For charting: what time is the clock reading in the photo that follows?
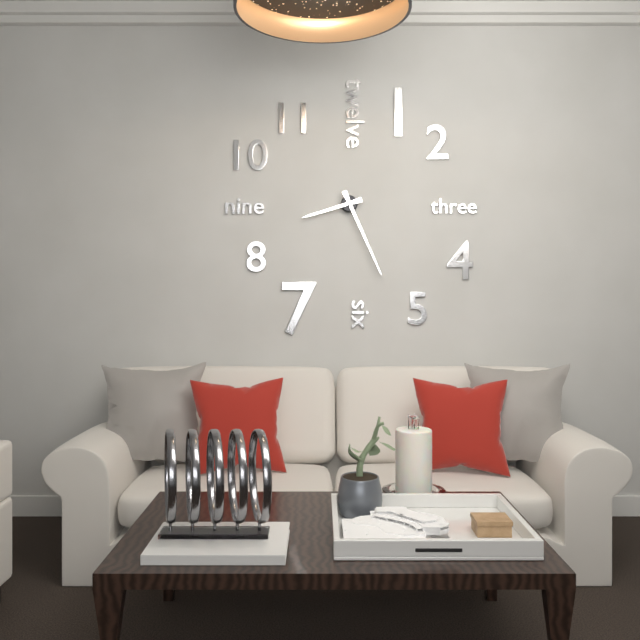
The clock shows 8:26
